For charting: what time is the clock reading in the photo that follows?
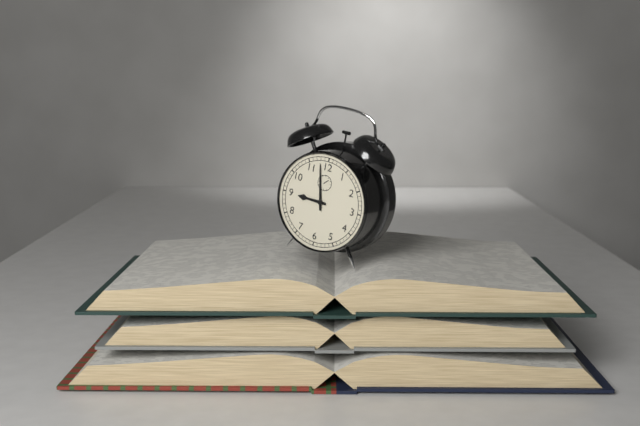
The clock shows 8:58
